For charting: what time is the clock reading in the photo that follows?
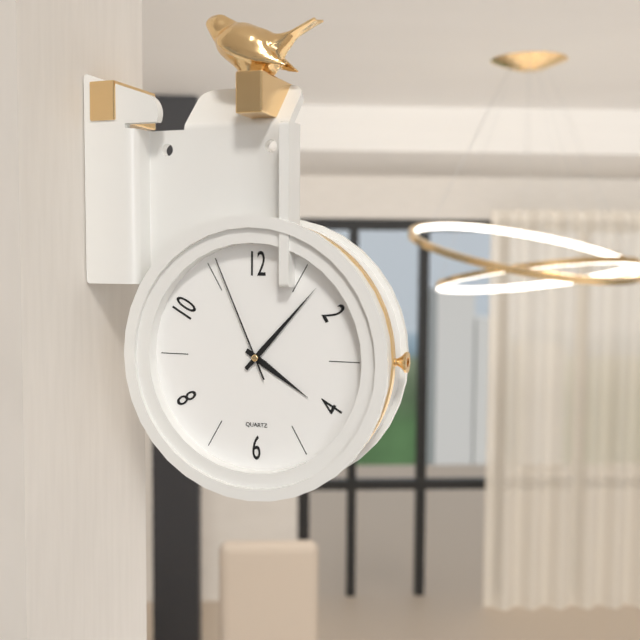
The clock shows 4:07:56
